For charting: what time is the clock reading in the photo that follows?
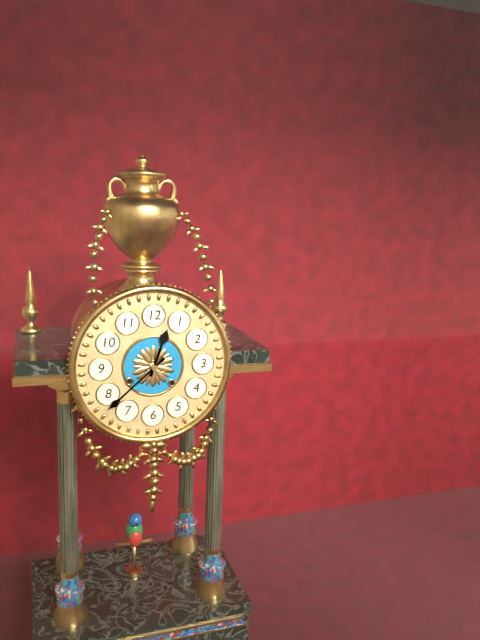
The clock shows 12:38
